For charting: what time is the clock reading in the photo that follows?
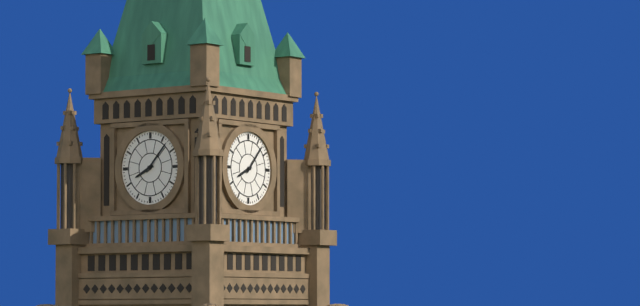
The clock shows 8:07
